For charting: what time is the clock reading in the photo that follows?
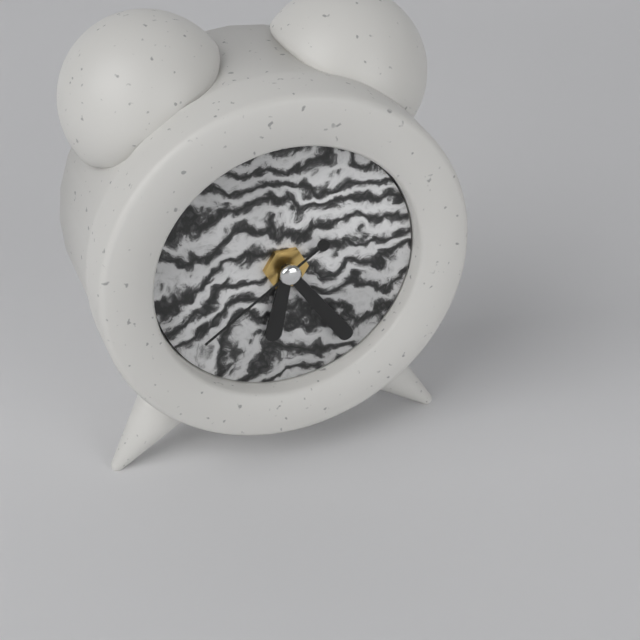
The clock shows 6:24:39
